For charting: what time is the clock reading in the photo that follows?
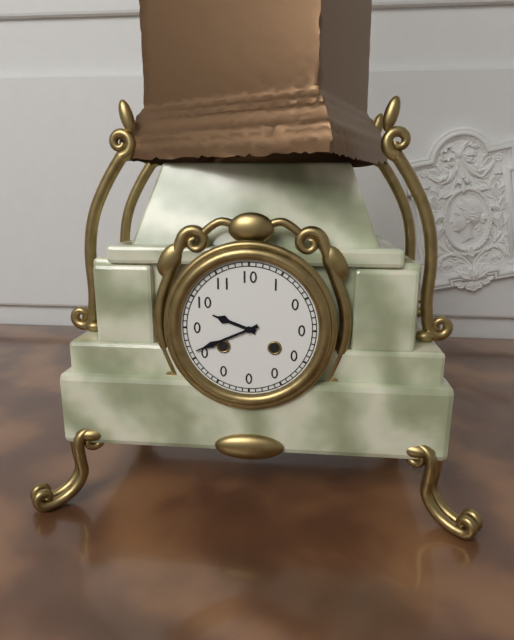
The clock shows 9:41
